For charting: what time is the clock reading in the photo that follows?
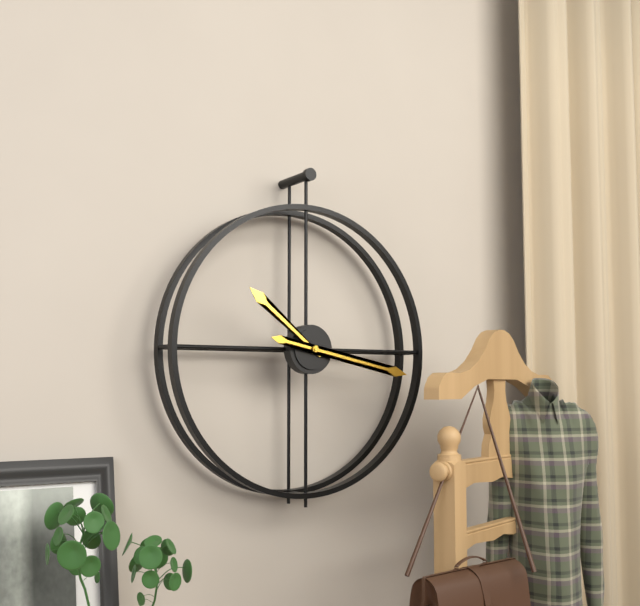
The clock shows 10:17
